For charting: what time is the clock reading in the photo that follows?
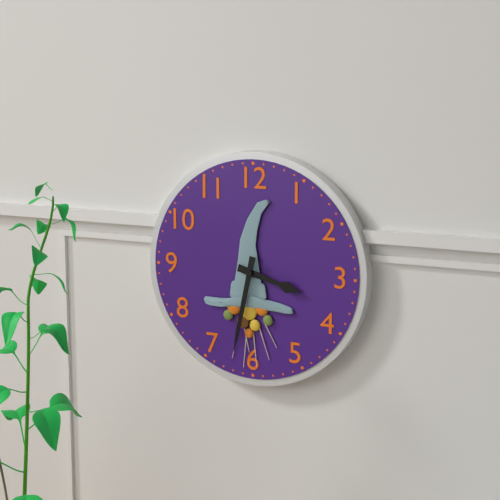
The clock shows 3:32
